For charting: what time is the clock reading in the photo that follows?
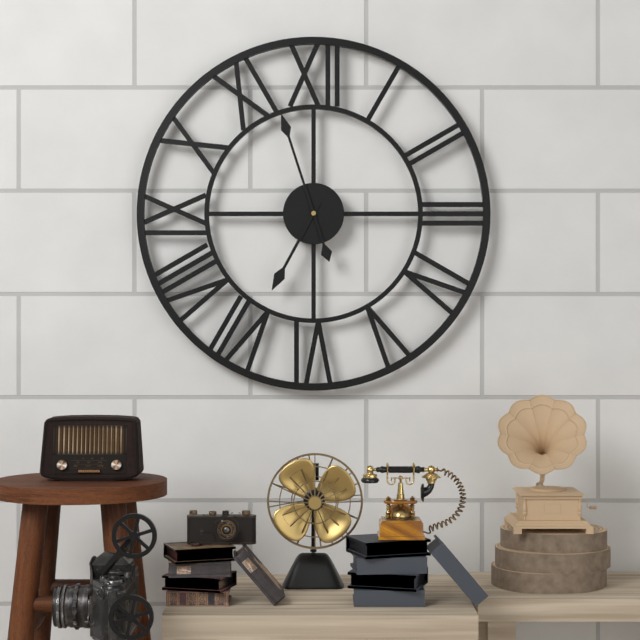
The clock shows 6:57
